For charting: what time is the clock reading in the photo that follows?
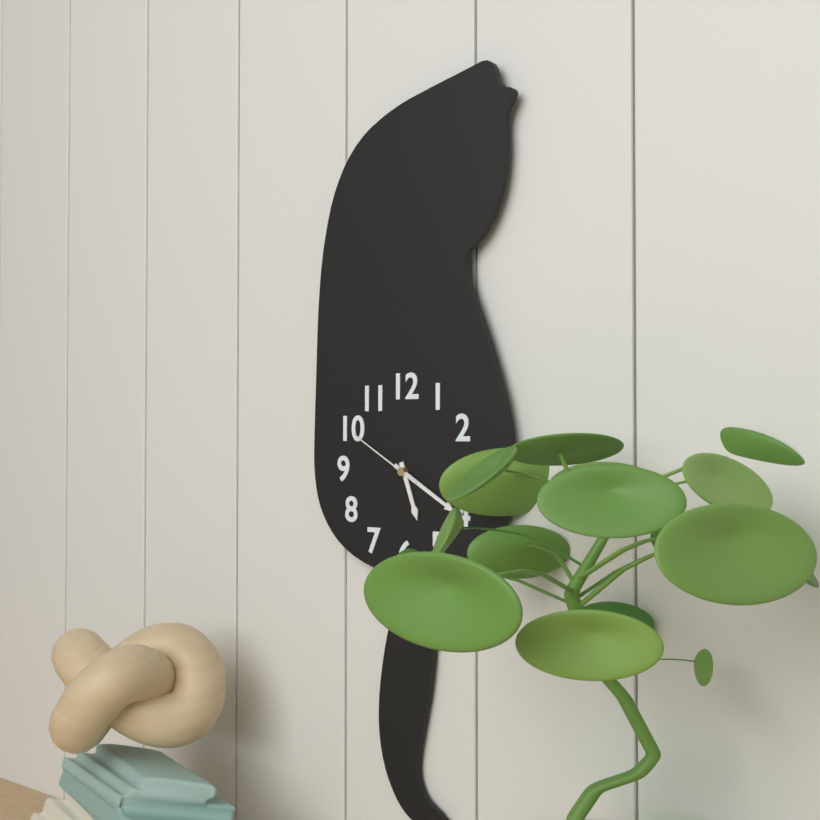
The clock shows 5:20:50
